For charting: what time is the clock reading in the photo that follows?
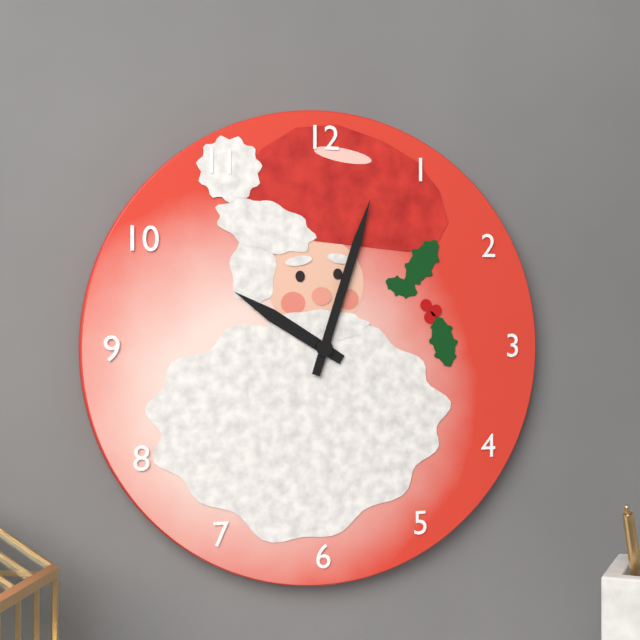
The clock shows 10:03
